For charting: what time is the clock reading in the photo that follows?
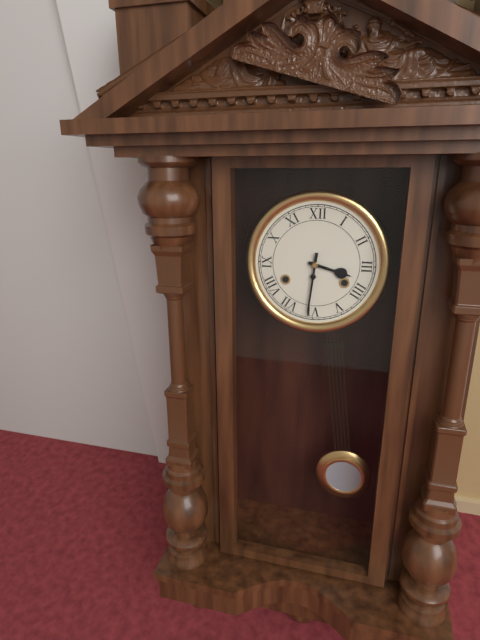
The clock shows 3:31
